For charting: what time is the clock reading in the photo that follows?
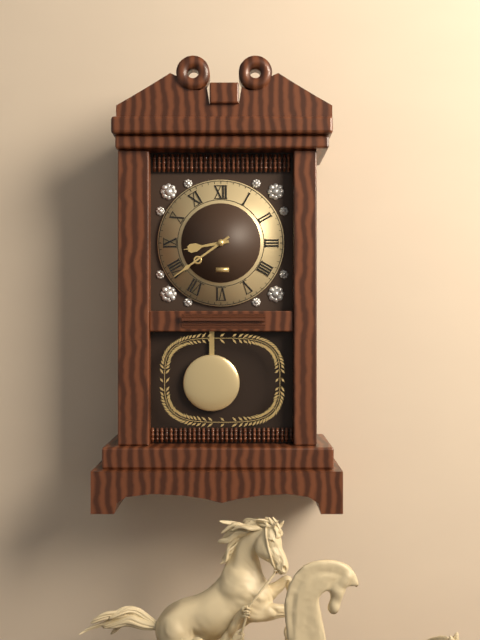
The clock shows 8:39
